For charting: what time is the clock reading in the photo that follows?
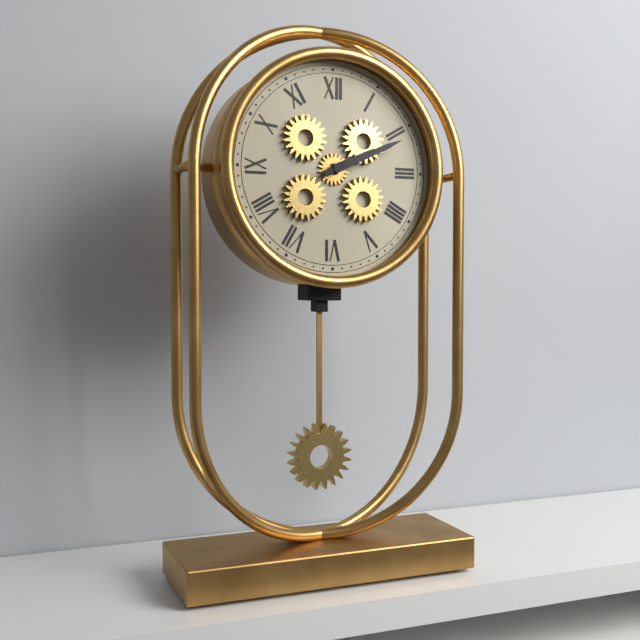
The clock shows 2:11
